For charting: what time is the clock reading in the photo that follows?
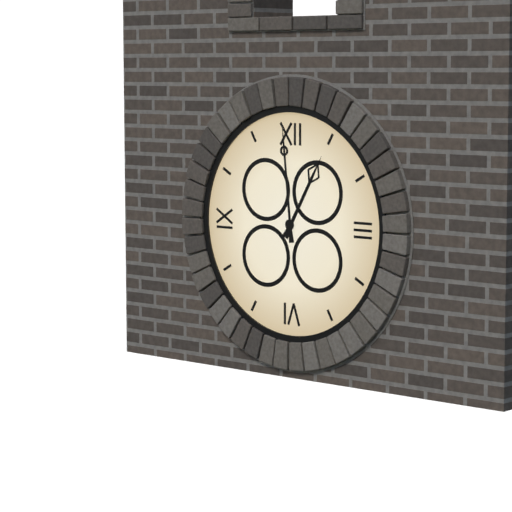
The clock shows 12:59
